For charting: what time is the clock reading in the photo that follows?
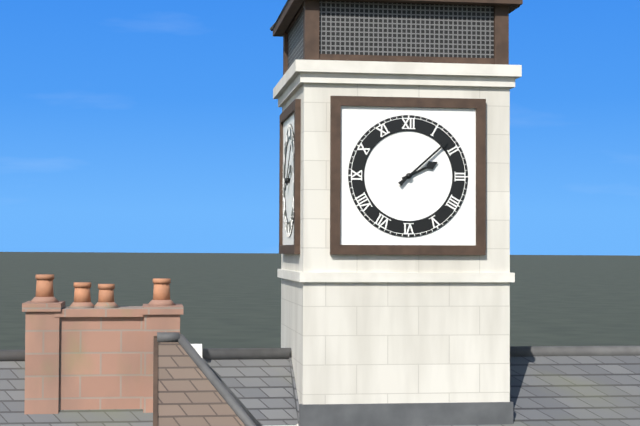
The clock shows 2:08
